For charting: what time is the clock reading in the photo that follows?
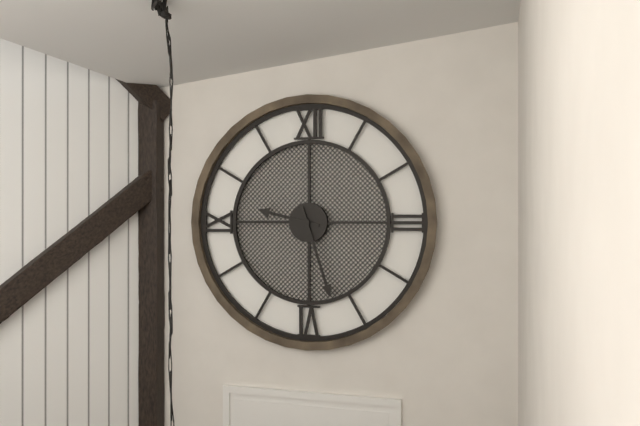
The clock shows 9:27
